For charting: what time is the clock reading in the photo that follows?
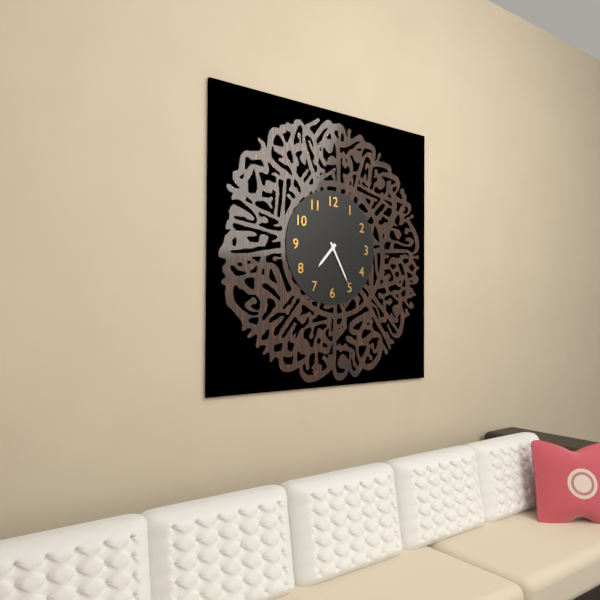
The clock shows 7:25
